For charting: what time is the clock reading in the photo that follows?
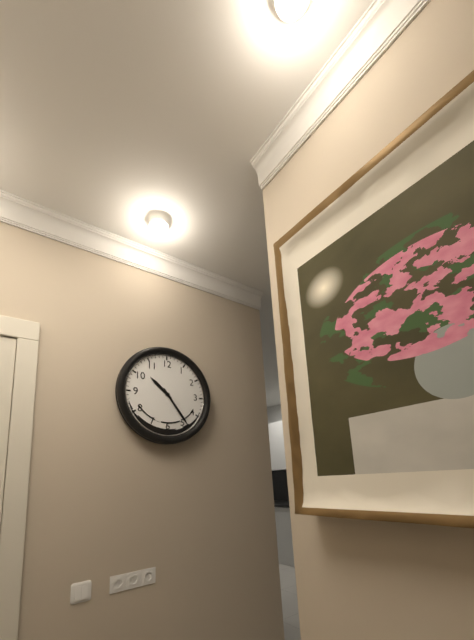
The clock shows 10:24
